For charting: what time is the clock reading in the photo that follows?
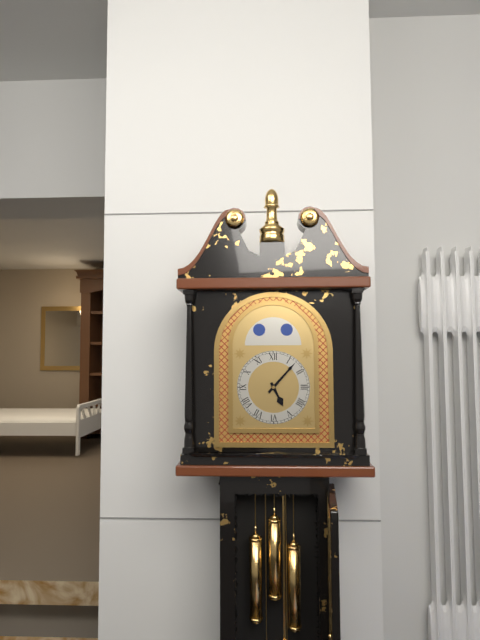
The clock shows 5:07
